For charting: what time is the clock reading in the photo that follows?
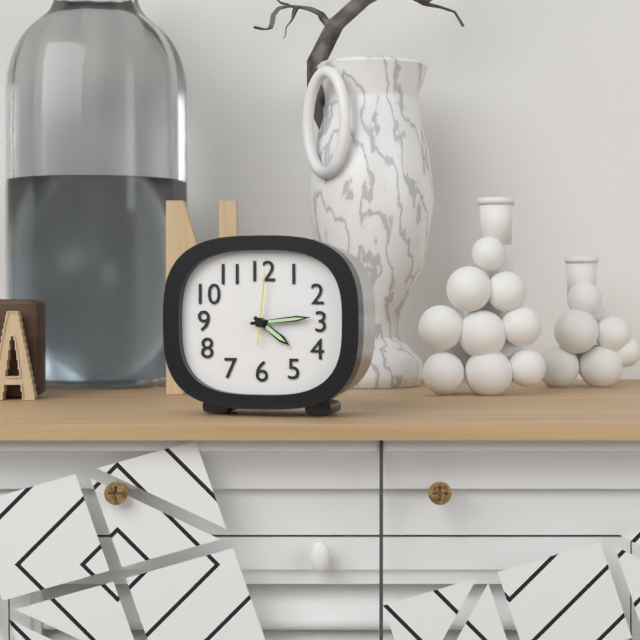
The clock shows 4:14:01
